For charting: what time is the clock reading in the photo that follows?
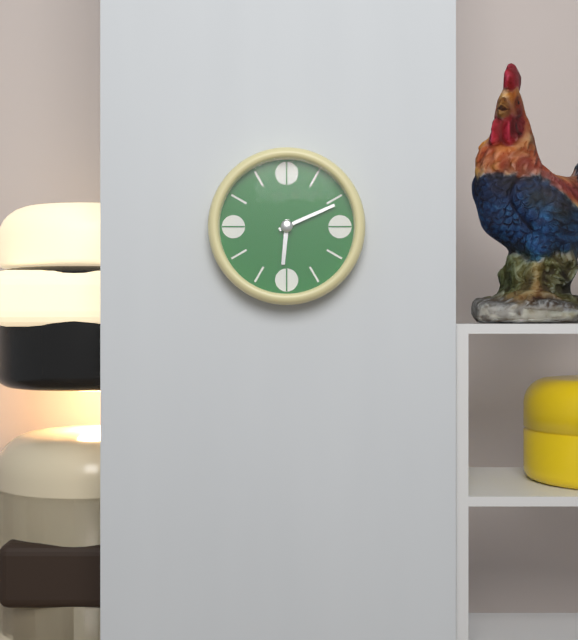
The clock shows 6:11
